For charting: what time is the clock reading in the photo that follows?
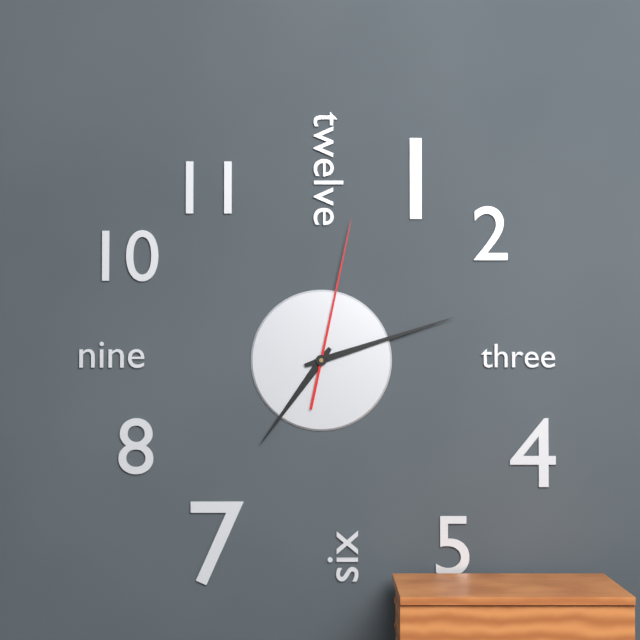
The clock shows 7:12:02
